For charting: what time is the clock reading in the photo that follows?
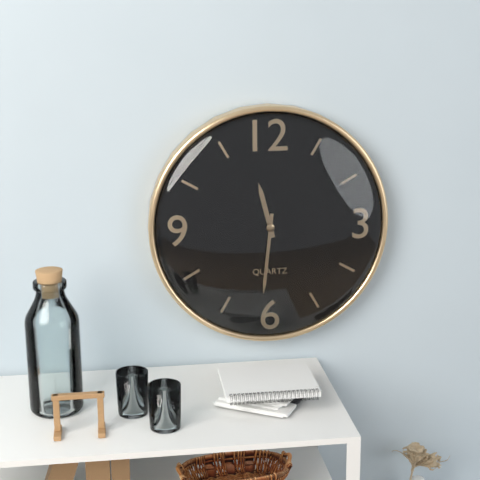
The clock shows 11:31
